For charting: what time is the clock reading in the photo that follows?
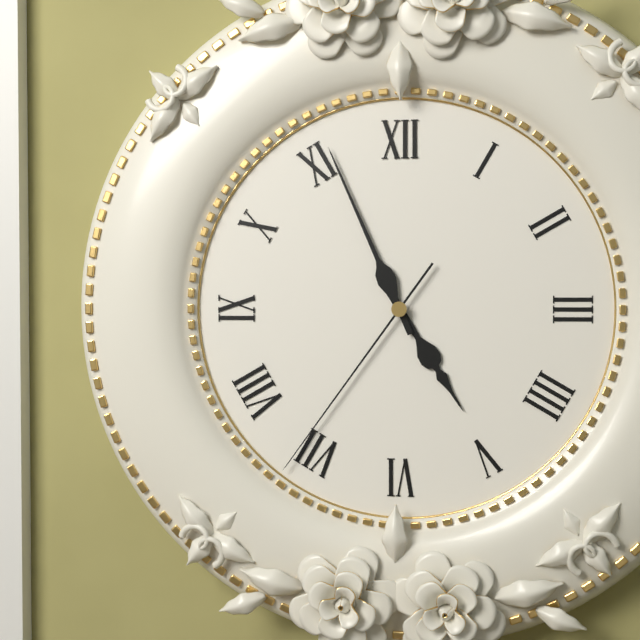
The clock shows 4:56:36
